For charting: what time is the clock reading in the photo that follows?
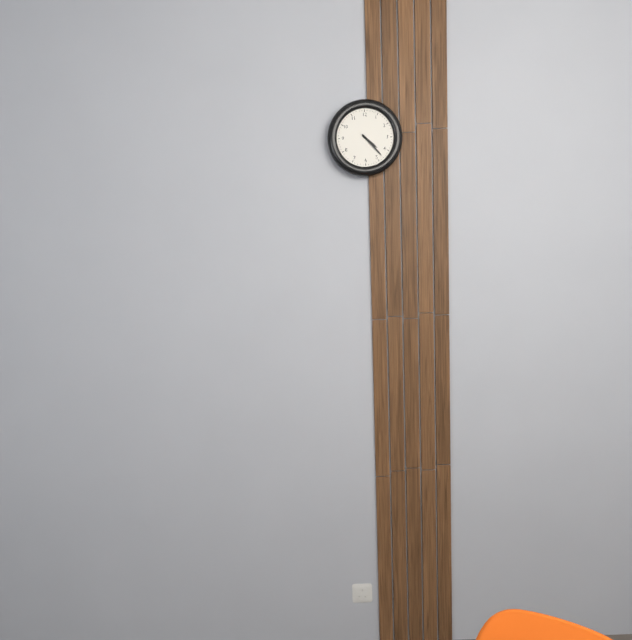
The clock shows 4:23
